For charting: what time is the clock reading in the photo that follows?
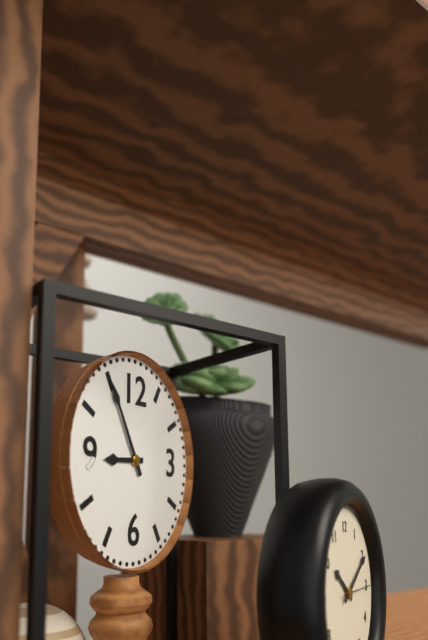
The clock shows 8:55
